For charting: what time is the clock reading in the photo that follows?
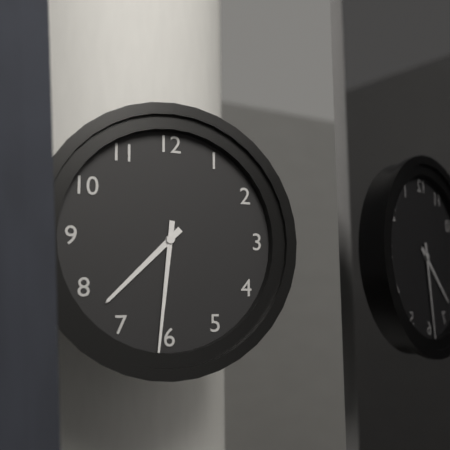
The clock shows 7:31
